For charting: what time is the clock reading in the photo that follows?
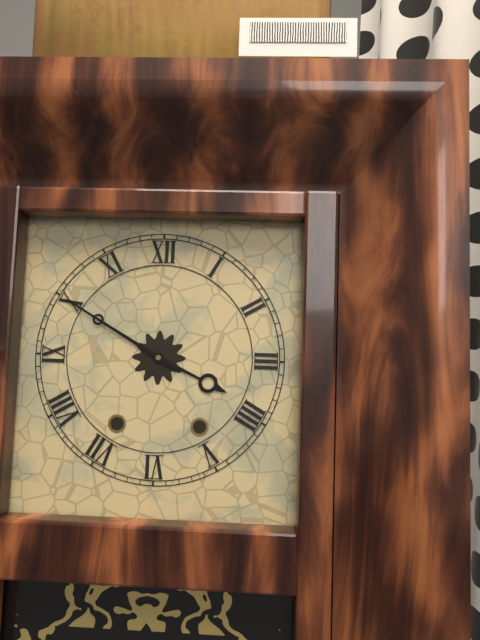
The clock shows 3:50
